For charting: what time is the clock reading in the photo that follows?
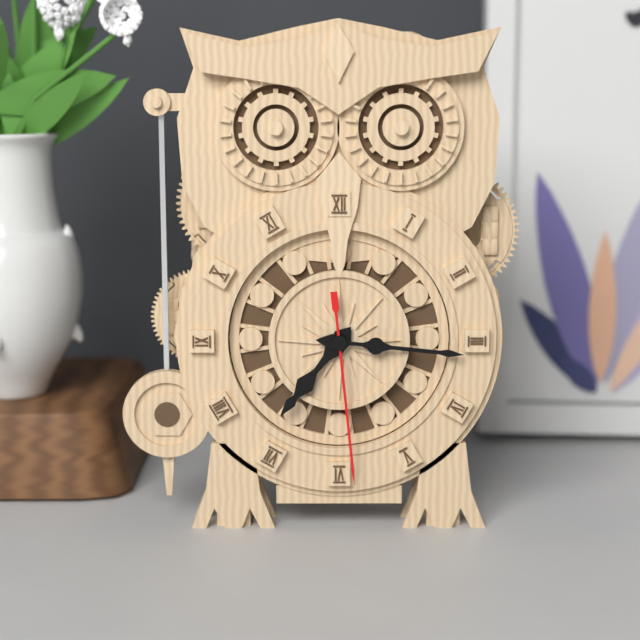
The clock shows 7:16:29
